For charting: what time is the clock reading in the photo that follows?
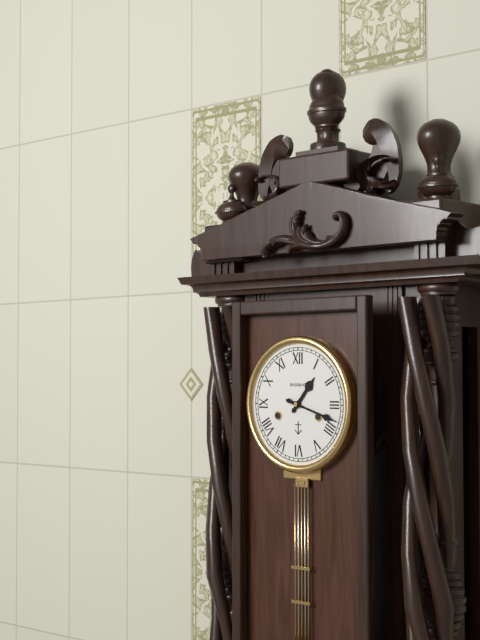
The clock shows 1:18
